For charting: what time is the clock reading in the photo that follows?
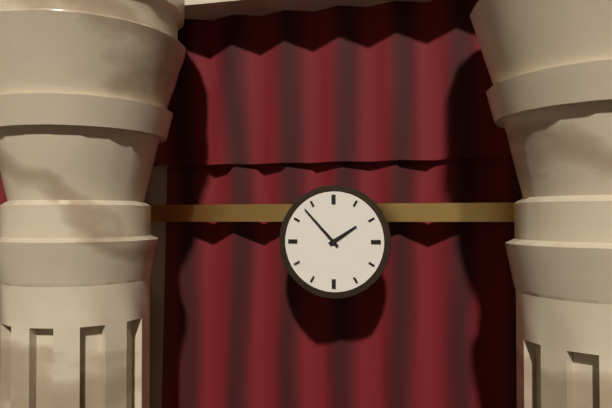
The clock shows 1:53
